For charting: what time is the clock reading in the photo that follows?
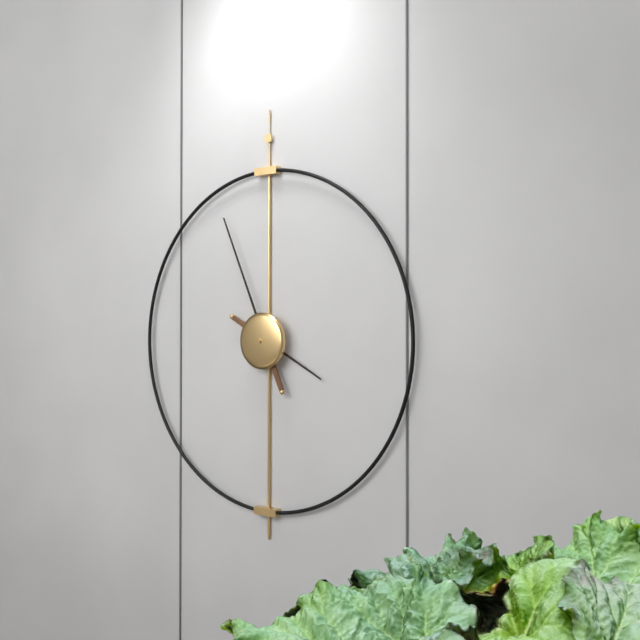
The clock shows 3:56
